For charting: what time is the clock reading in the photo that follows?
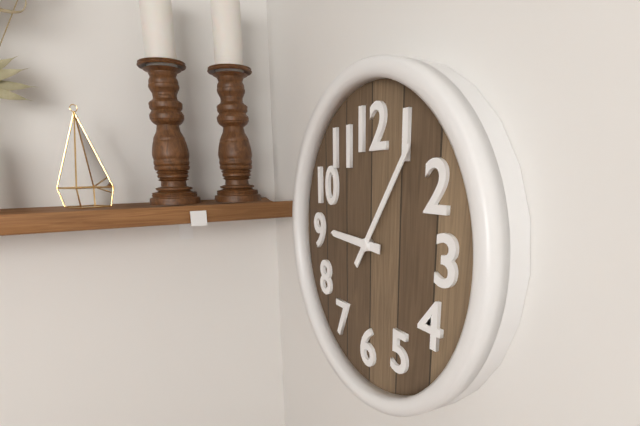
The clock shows 9:06
